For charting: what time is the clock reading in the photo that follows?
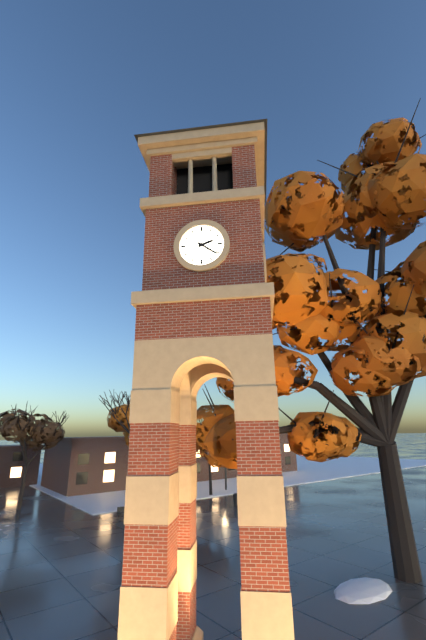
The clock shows 2:21
